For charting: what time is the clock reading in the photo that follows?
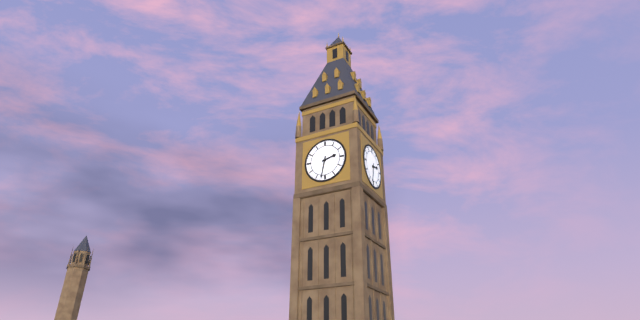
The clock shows 2:32
